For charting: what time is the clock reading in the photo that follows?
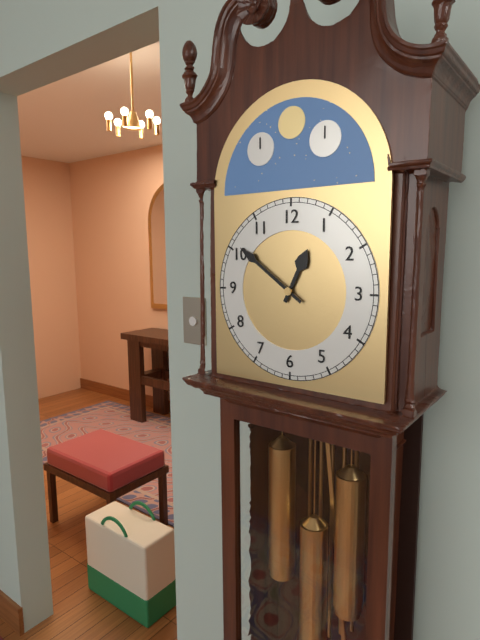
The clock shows 12:51
